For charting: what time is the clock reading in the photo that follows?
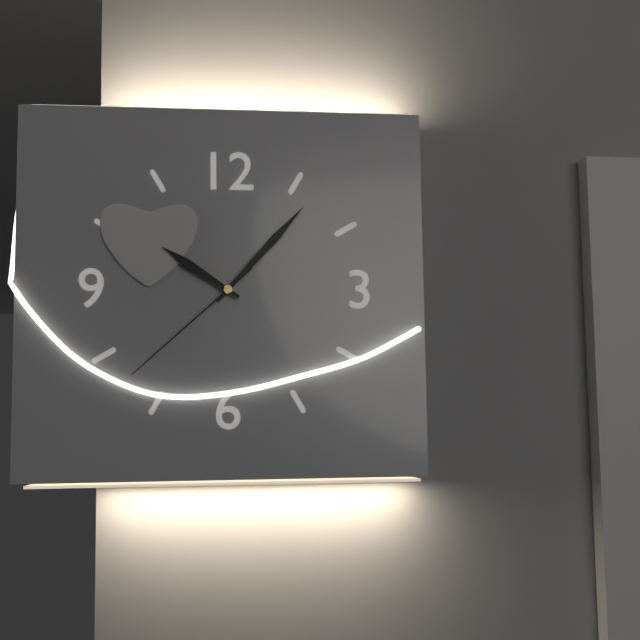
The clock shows 10:07:38
